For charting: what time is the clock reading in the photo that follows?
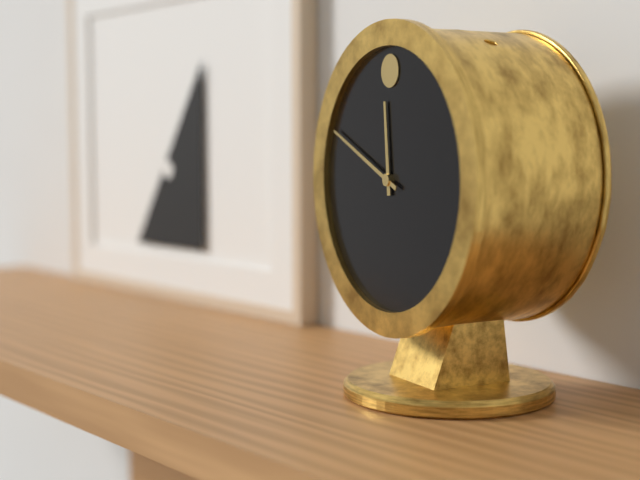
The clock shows 11:49
